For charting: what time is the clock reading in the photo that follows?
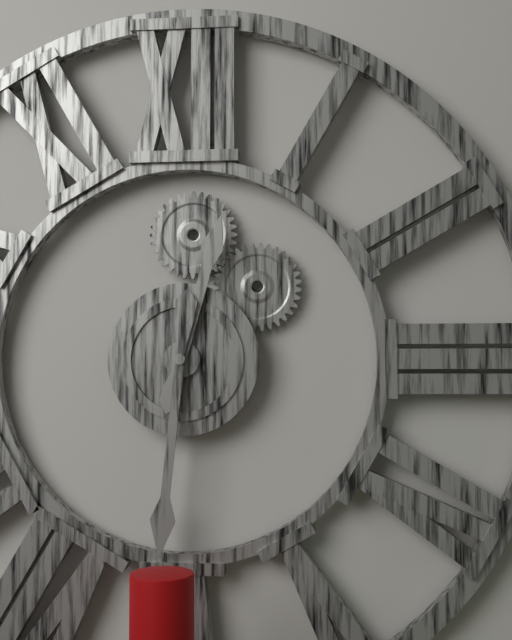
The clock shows 12:31
